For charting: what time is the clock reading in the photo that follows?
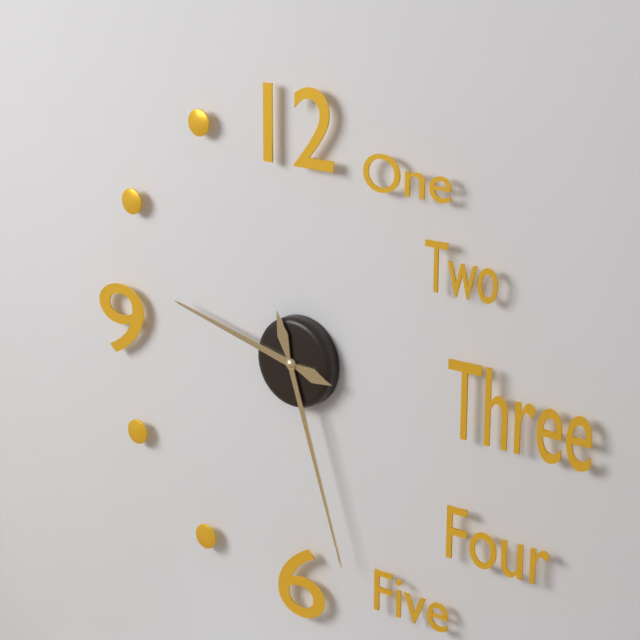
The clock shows 9:27
